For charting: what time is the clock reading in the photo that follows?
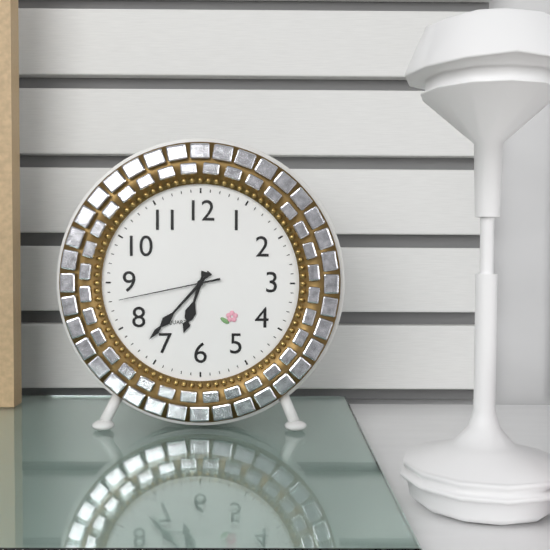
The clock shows 6:37:43
